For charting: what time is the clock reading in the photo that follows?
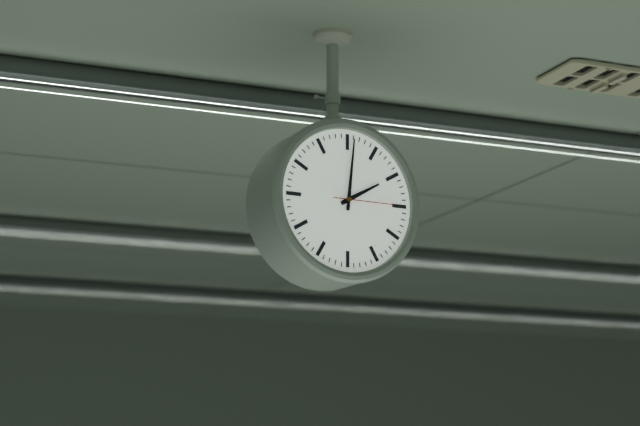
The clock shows 2:01:15
